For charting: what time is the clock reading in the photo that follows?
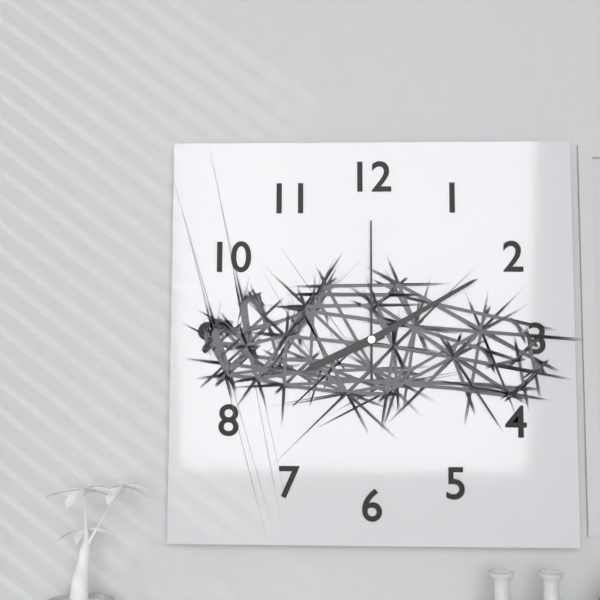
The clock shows 8:10:00
